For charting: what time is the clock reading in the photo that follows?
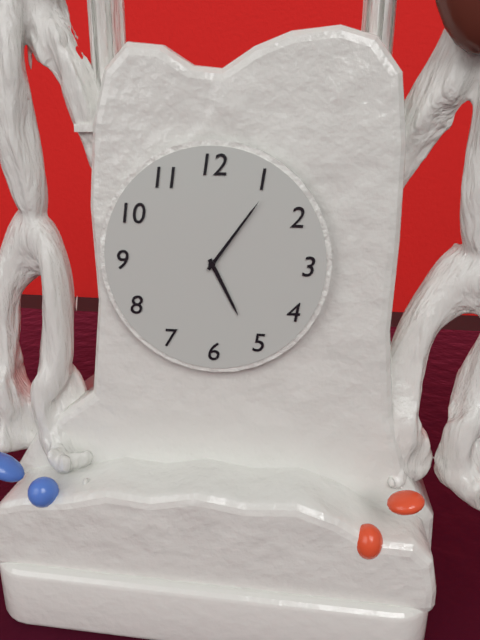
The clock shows 5:06
